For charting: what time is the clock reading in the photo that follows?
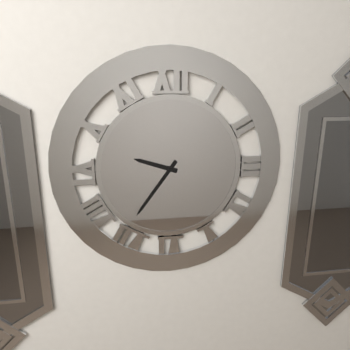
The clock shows 9:36
